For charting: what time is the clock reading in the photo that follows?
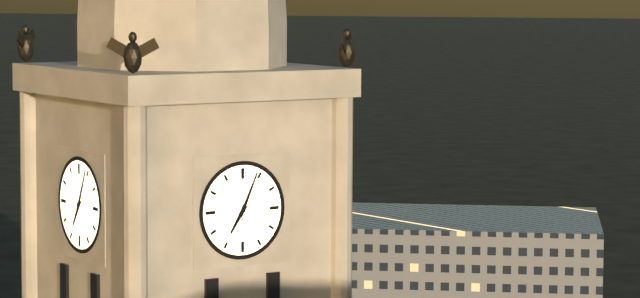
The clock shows 7:04
